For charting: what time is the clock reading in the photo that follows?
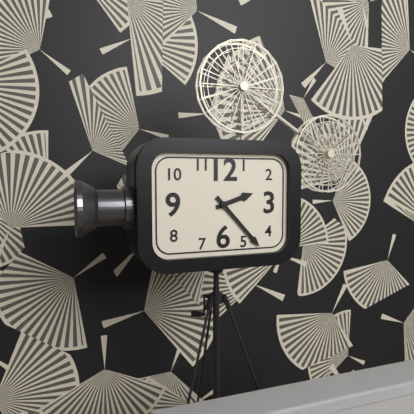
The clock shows 2:23
